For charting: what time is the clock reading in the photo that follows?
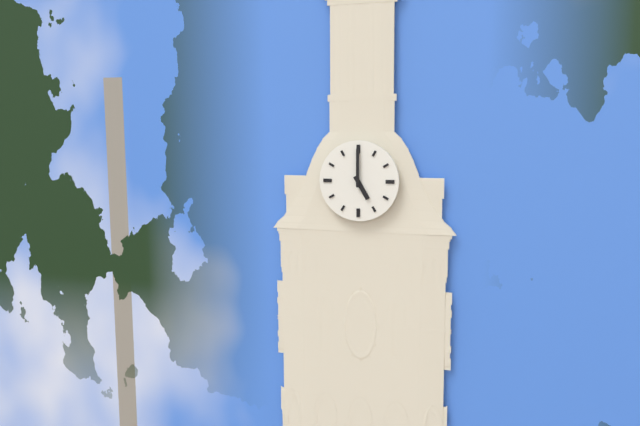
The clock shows 5:00
